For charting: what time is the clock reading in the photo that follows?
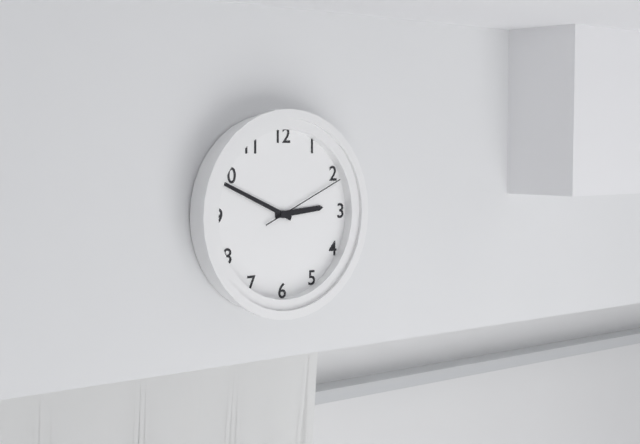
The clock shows 2:49:11
